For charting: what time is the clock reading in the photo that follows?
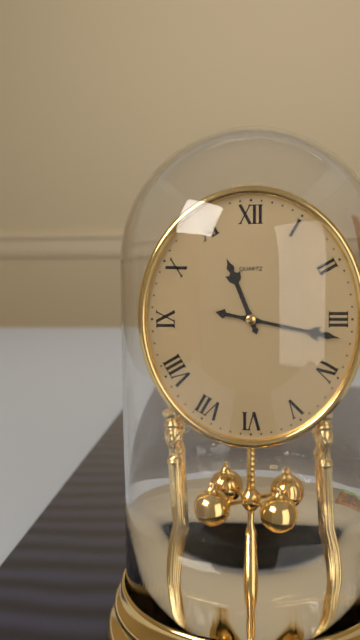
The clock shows 11:17
